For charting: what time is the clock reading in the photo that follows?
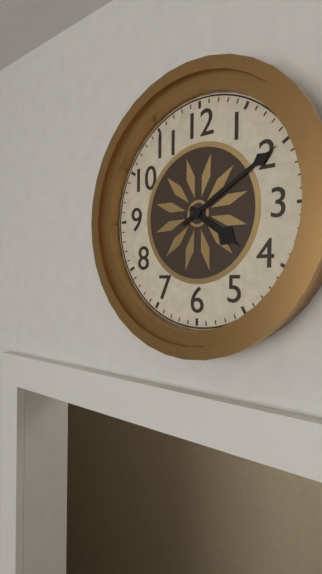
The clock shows 4:10
